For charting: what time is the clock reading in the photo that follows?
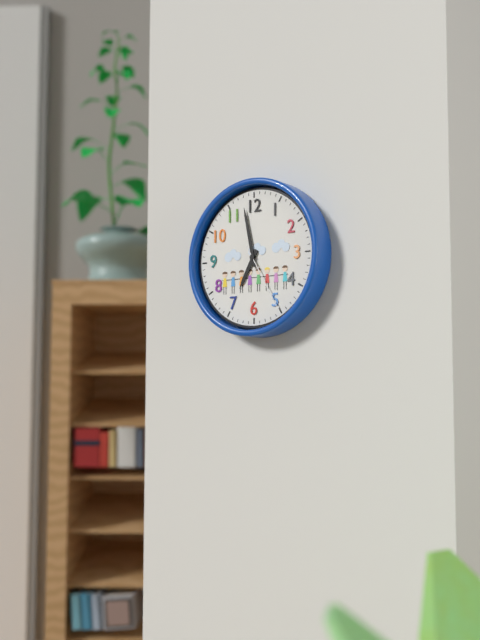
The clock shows 6:58:25
